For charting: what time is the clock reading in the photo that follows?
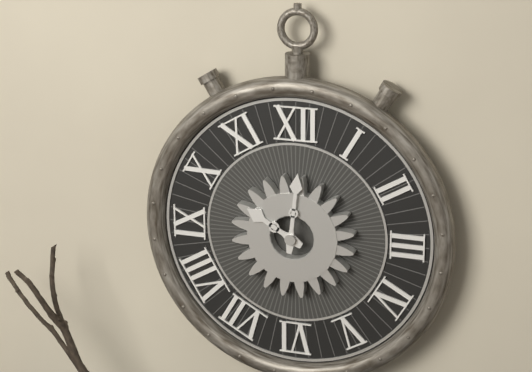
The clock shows 10:01
